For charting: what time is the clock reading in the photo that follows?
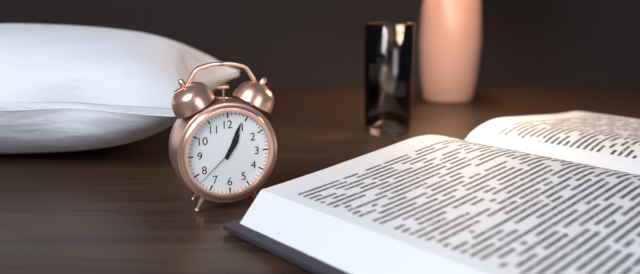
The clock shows 1:04
